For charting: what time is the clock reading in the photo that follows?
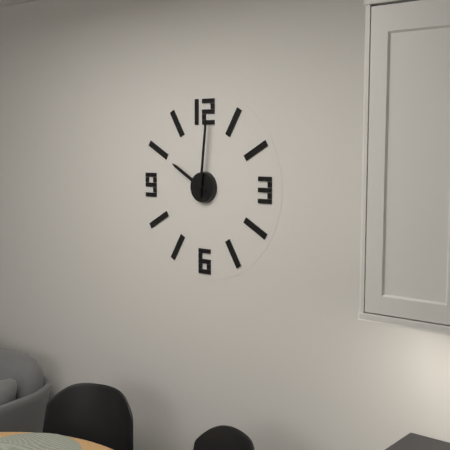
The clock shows 10:01
